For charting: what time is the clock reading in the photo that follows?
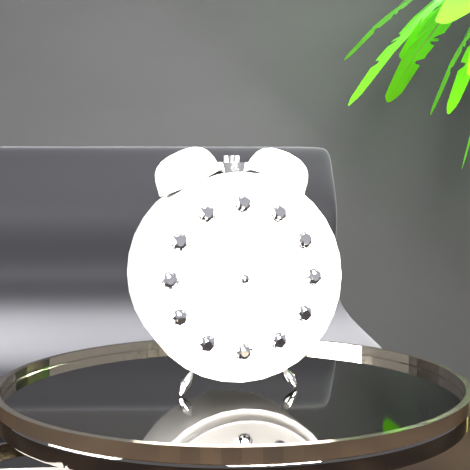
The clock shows 9:15:18
